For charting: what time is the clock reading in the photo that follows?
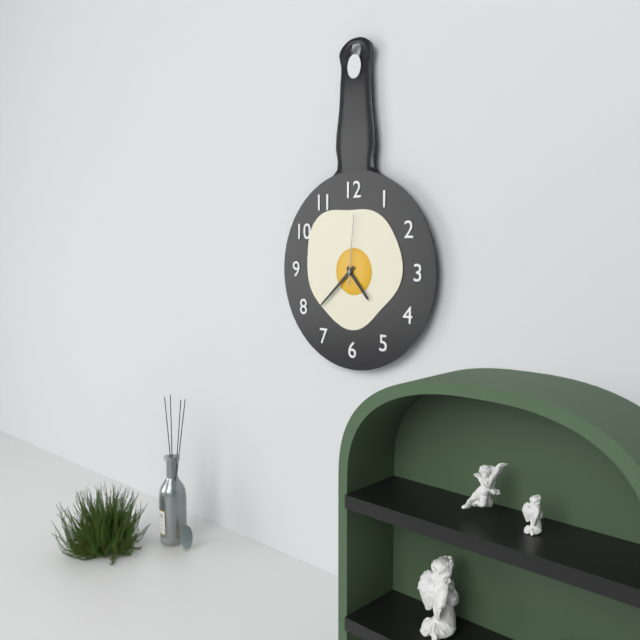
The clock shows 4:38:01
